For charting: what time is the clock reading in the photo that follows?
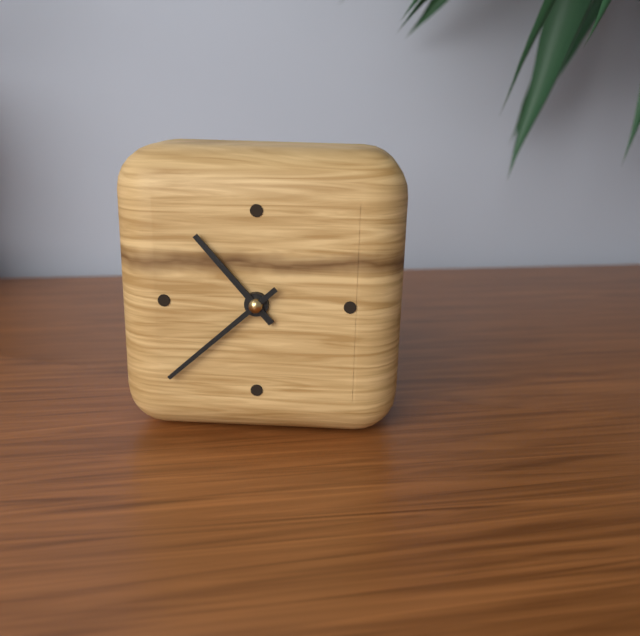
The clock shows 10:38
